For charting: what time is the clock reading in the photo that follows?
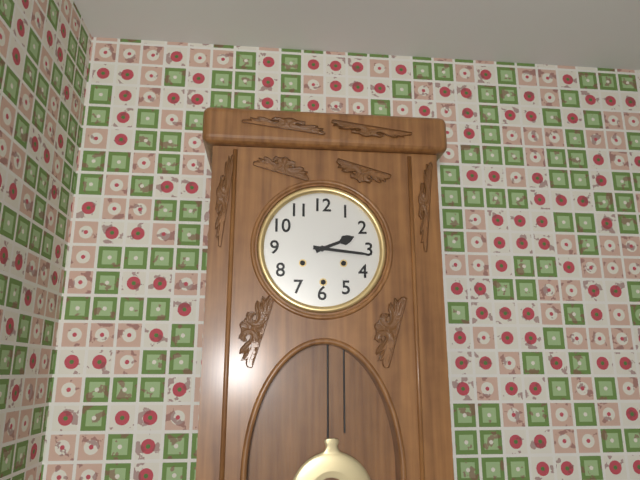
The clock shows 2:16
